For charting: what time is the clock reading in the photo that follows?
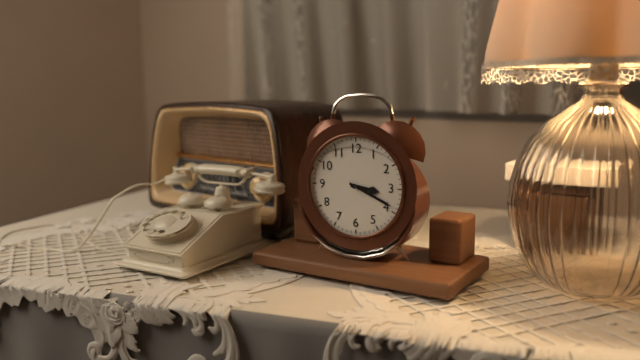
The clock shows 3:19
